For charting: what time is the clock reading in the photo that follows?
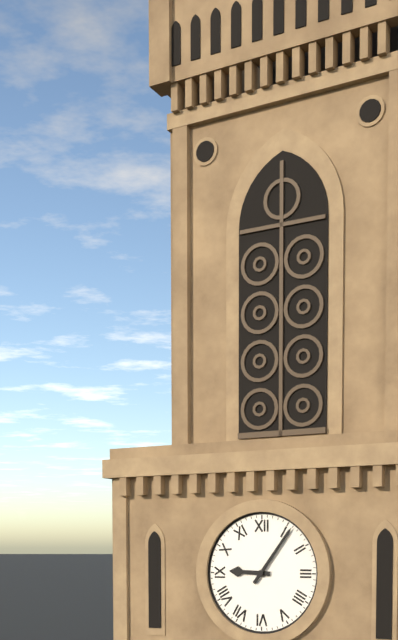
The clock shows 9:06
